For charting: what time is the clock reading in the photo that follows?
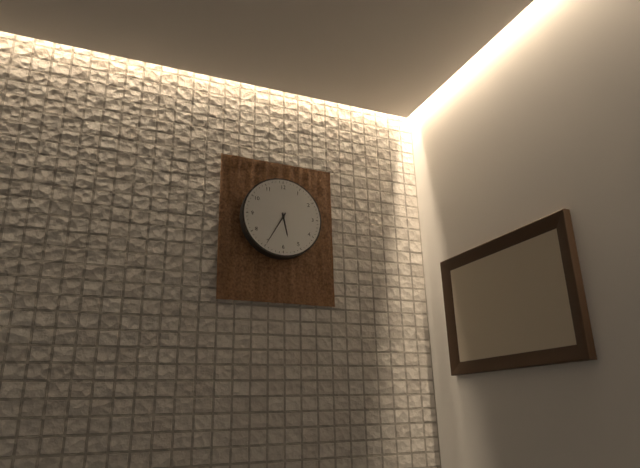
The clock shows 5:35
